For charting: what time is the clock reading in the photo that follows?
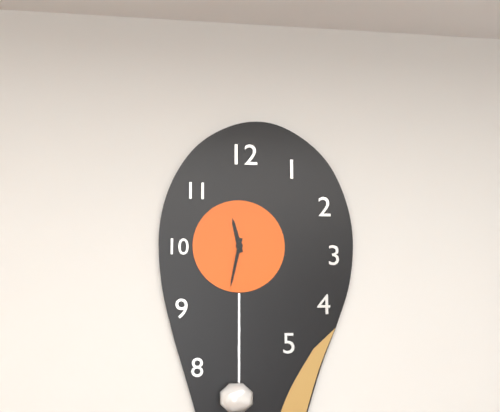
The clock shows 11:32
